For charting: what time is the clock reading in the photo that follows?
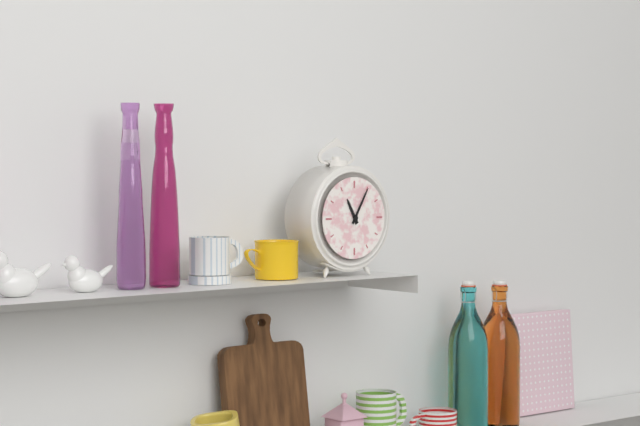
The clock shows 11:05
